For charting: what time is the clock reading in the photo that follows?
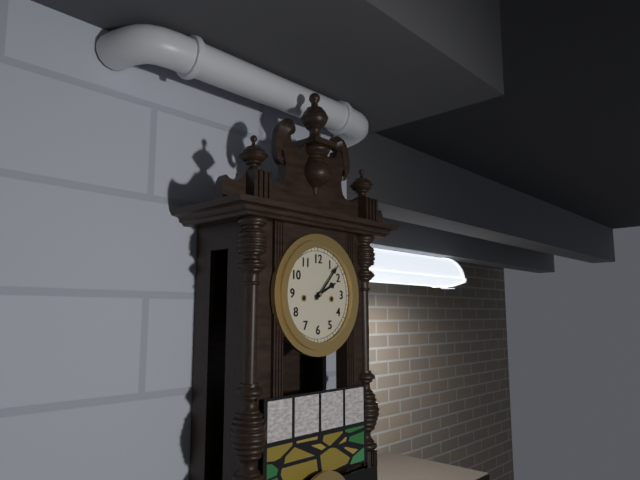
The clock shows 2:07
